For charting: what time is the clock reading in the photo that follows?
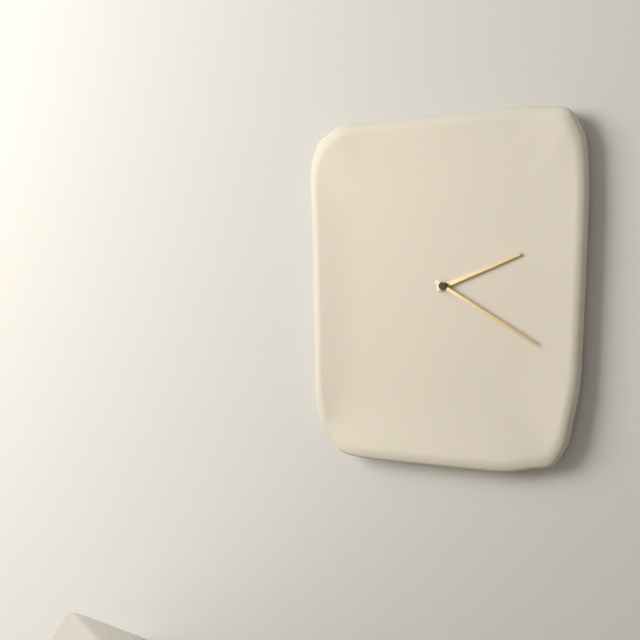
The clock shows 2:20
